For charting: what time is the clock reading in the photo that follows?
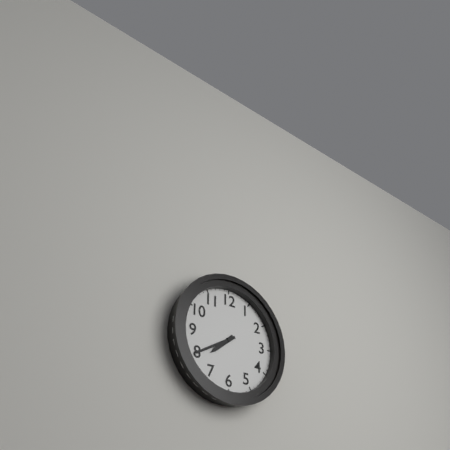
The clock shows 7:40
